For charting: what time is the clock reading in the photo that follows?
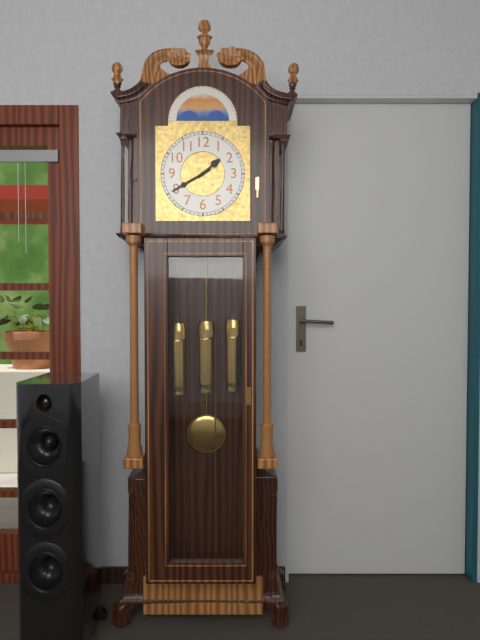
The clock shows 1:40
